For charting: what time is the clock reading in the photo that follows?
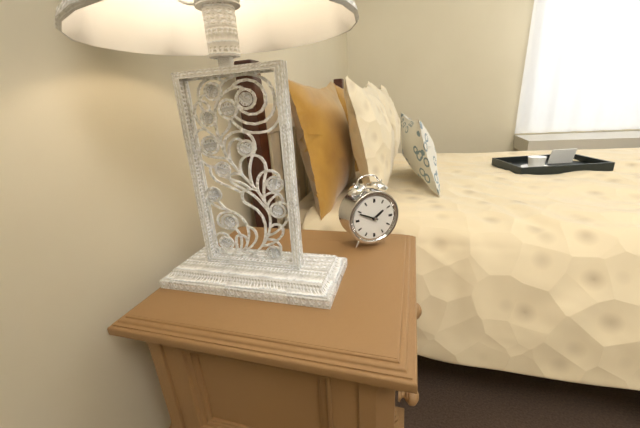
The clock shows 1:49
